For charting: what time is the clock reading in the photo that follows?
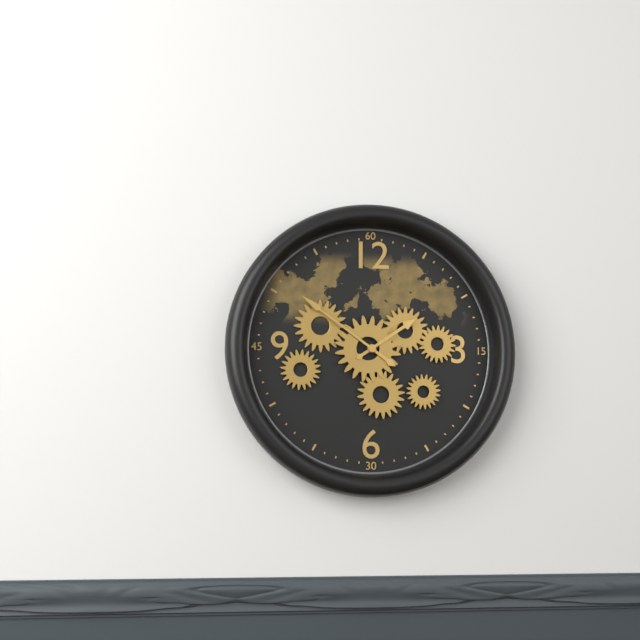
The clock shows 1:51
